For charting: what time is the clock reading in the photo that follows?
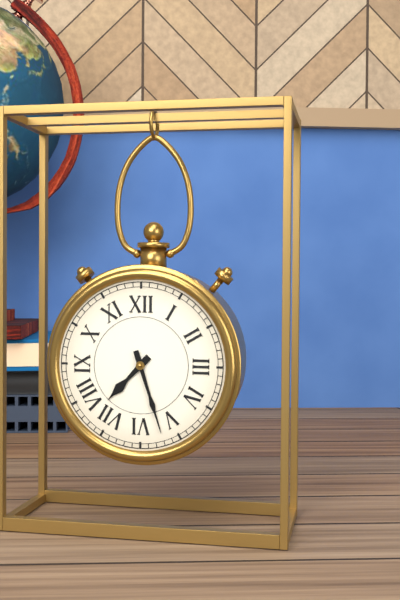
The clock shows 7:27
